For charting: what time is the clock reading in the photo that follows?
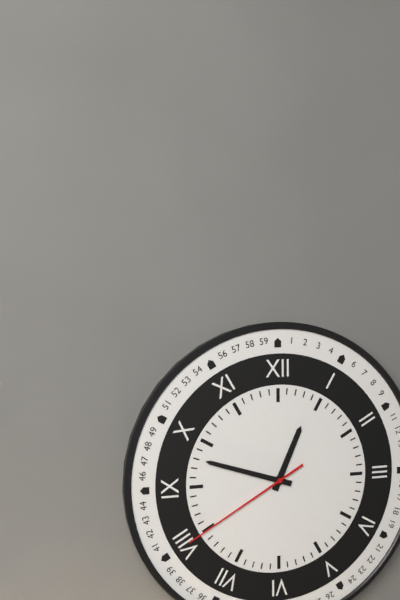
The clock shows 12:48:40
